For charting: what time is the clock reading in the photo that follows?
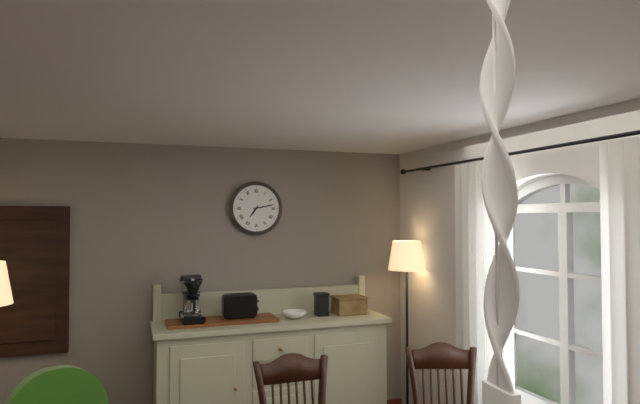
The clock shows 7:13
